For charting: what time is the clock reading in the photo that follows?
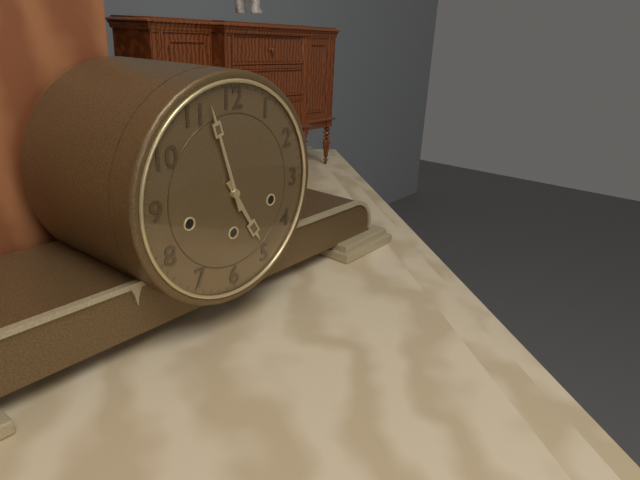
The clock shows 4:57
